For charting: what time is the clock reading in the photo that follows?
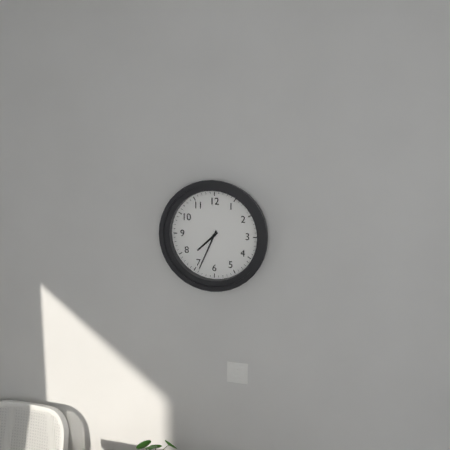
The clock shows 7:34
